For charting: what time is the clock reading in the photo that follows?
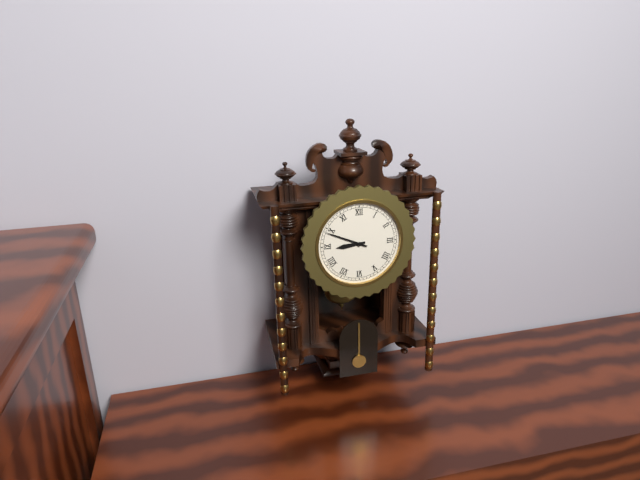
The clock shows 8:49
